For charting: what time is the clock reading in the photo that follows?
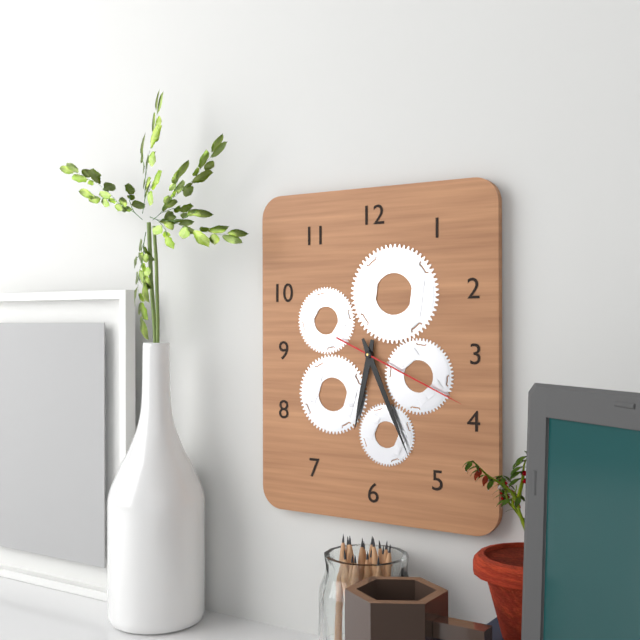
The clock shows 6:26:19
